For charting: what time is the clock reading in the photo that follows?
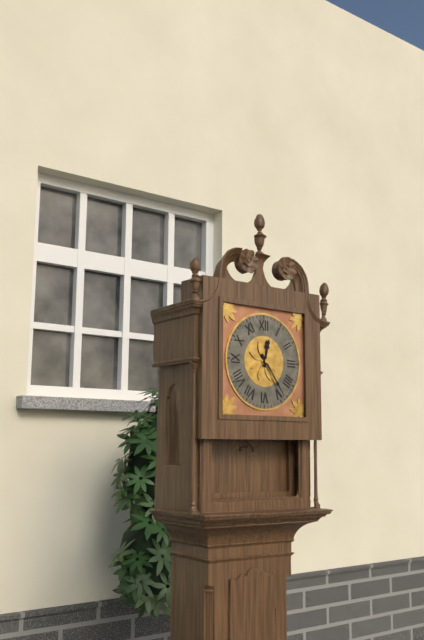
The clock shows 12:24
